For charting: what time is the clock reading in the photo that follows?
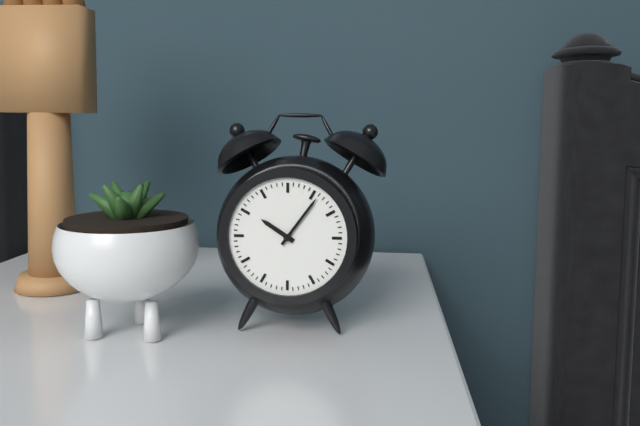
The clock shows 10:06
